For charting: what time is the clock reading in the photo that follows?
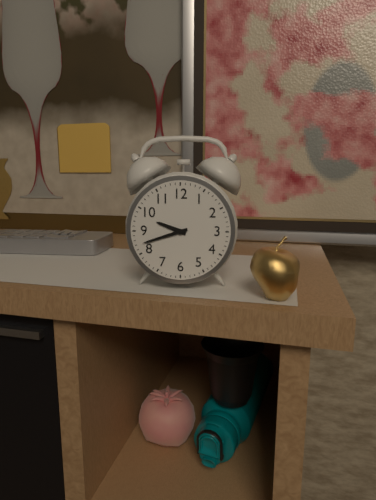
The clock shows 9:42
